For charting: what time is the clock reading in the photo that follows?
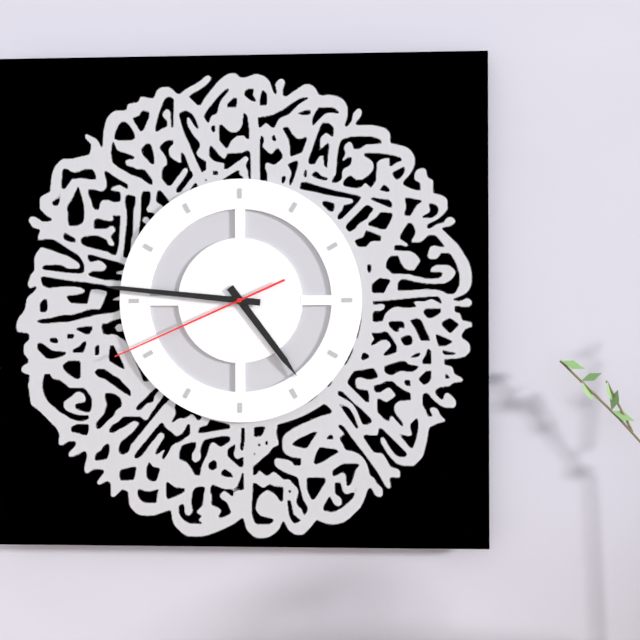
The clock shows 4:46:41
